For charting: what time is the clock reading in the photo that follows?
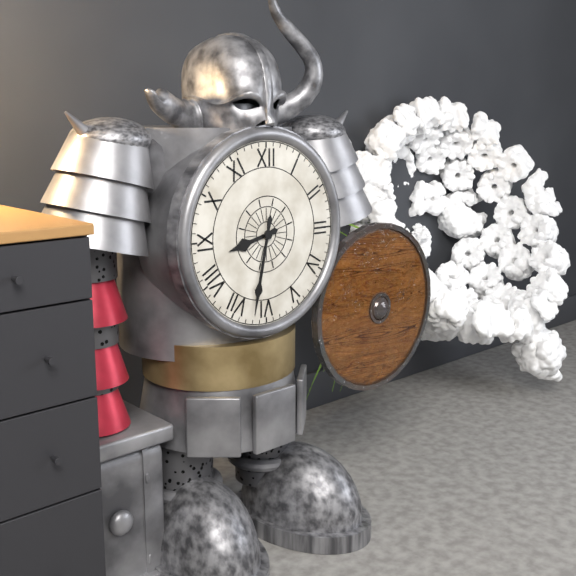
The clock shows 8:32
